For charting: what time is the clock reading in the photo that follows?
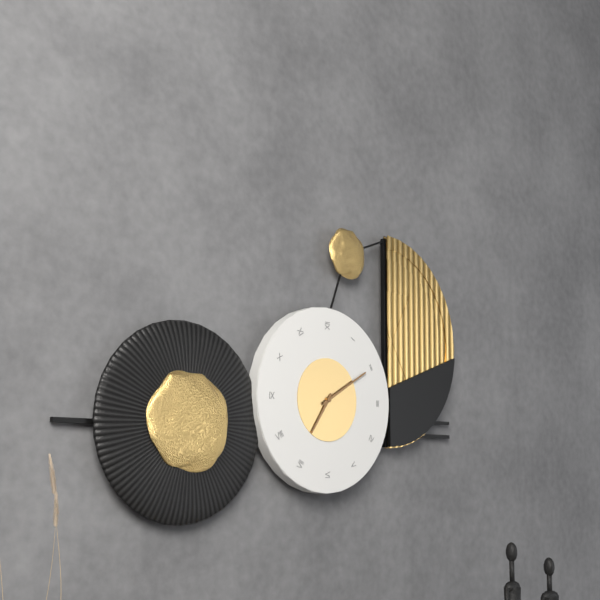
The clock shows 7:10
